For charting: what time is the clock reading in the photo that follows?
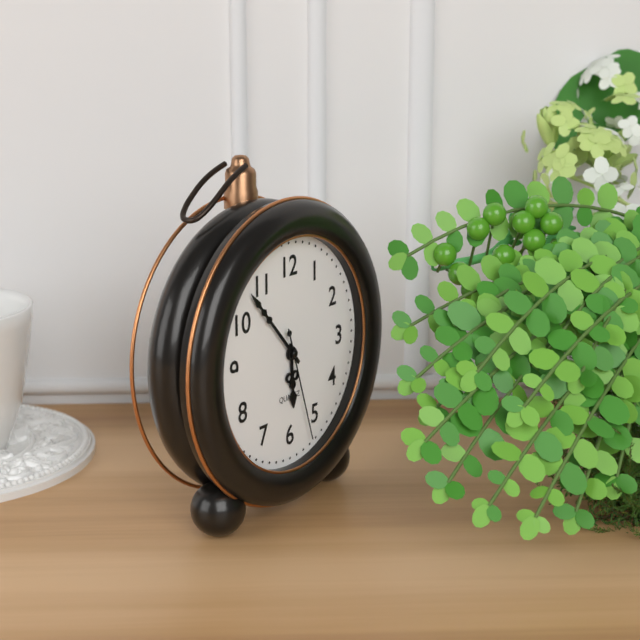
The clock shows 5:53:27
